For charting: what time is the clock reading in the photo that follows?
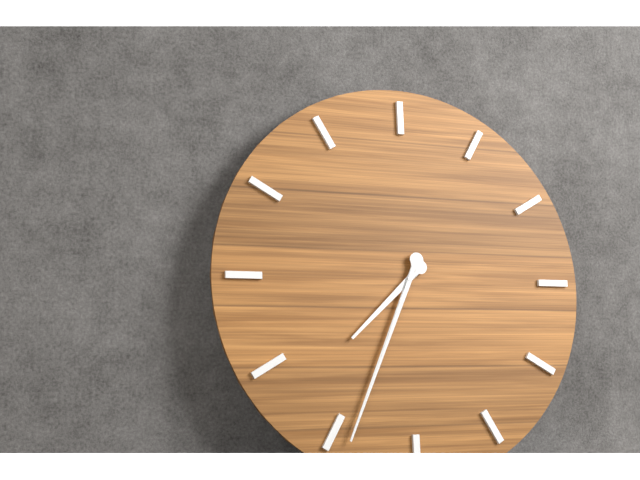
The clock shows 7:34
